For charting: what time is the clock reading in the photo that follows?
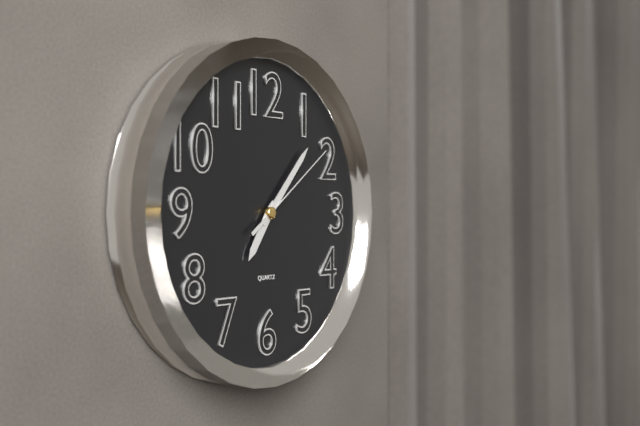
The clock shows 7:07:09
